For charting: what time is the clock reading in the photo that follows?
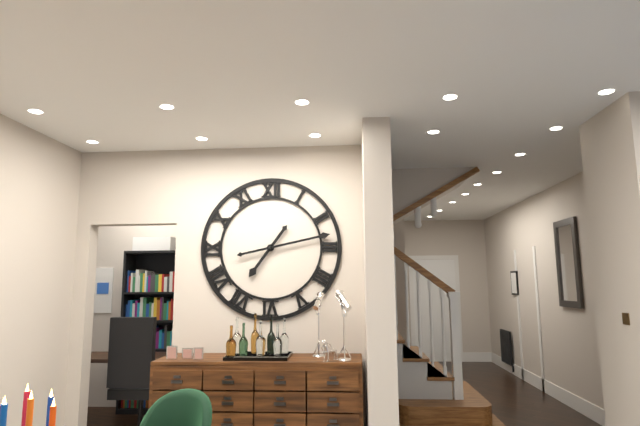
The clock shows 7:13
